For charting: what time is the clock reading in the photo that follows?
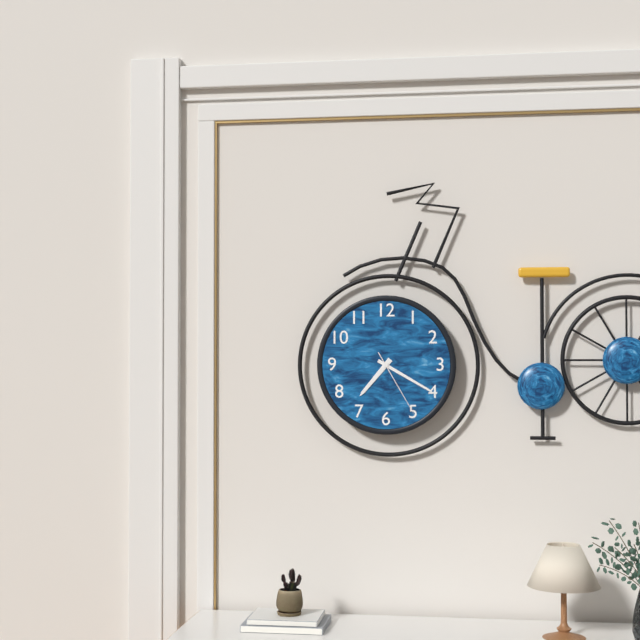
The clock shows 7:20:25
